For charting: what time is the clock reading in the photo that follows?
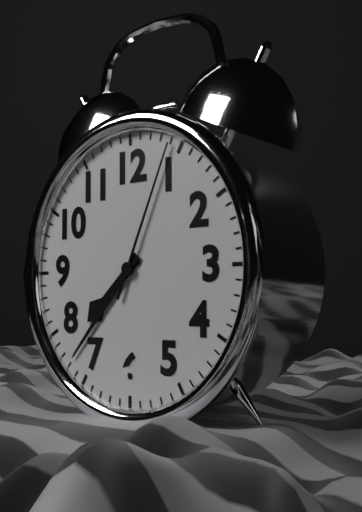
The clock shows 7:37:04
